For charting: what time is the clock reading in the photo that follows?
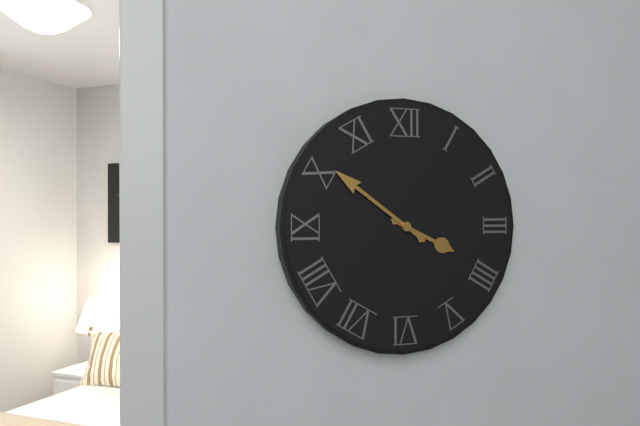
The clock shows 3:51
